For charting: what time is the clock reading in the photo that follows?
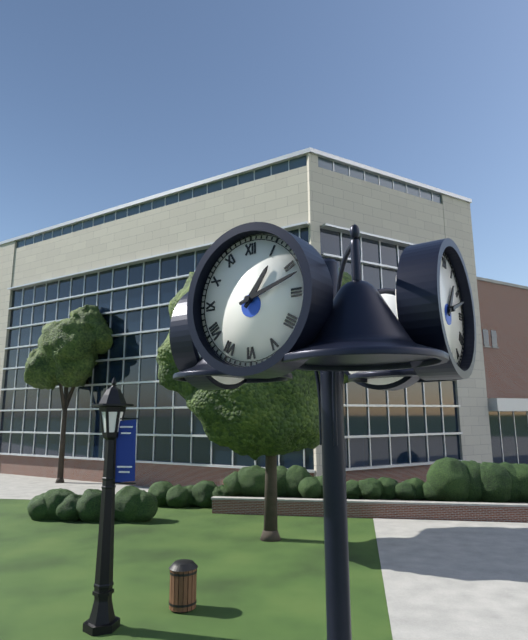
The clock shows 1:12
